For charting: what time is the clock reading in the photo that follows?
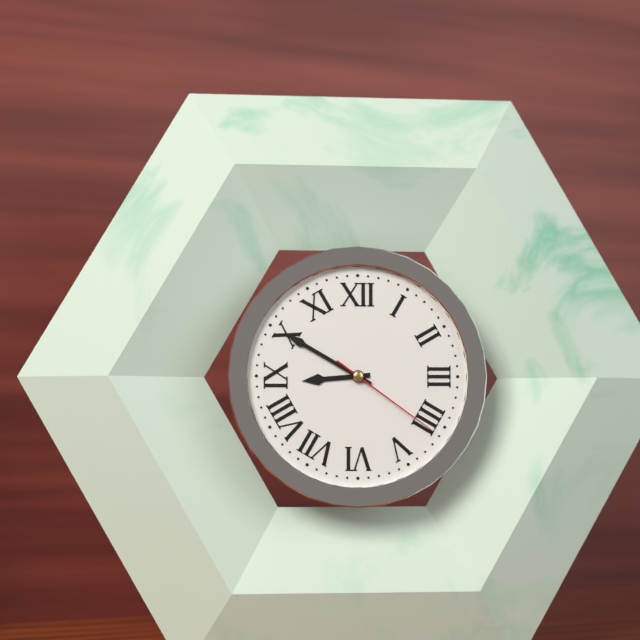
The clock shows 8:50:21
